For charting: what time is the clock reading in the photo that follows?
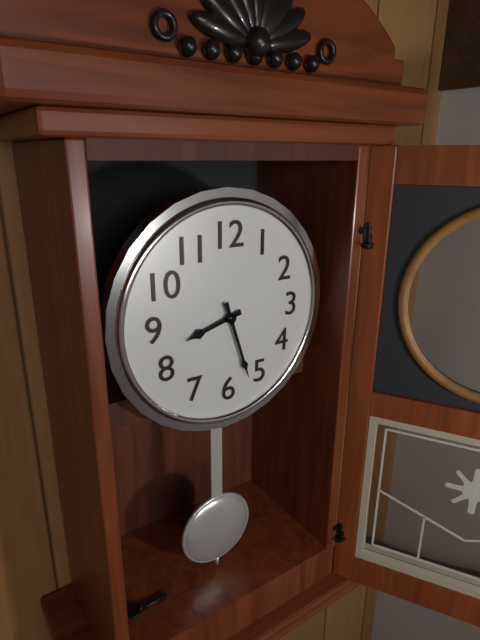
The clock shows 8:27
